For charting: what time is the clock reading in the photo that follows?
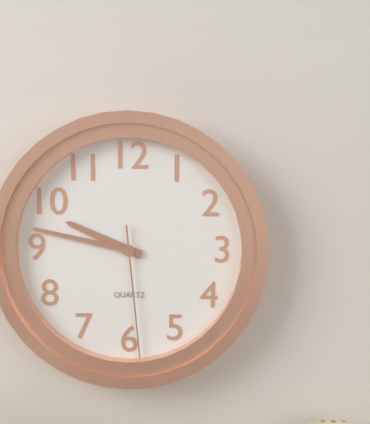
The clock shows 9:47:29
